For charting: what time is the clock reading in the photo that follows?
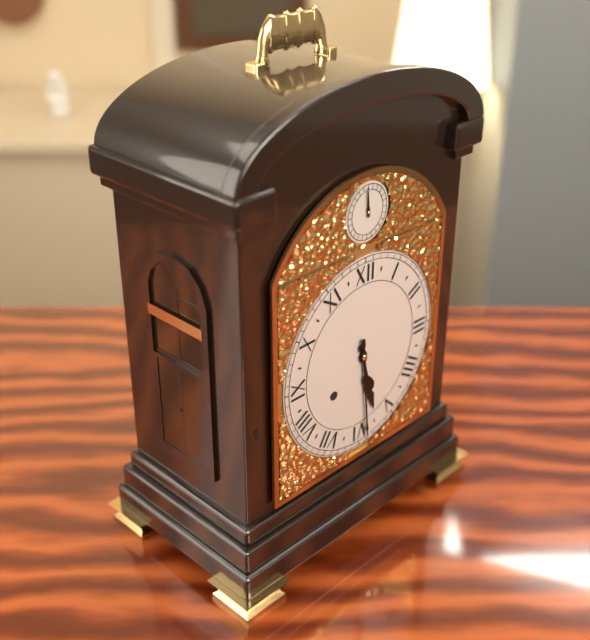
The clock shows 5:29
